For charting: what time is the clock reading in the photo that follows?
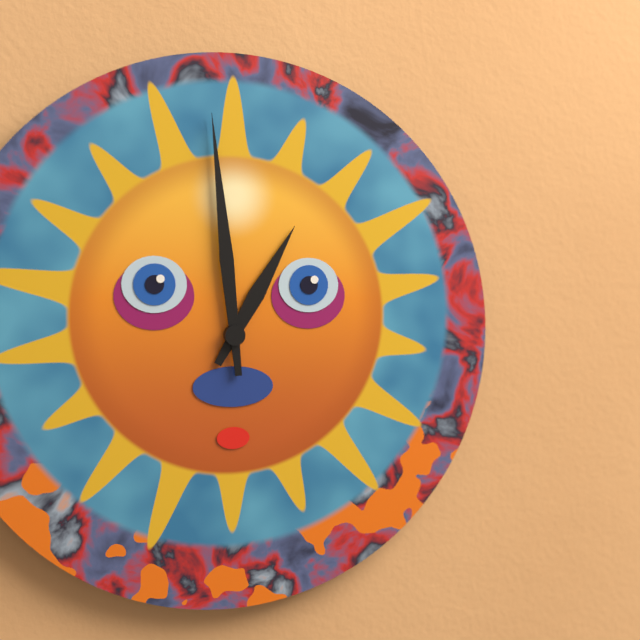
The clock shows 12:59
